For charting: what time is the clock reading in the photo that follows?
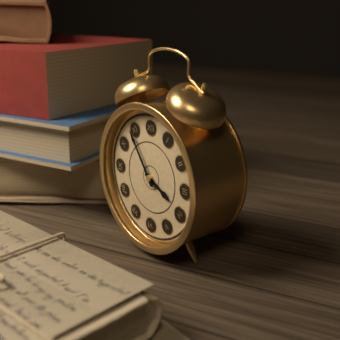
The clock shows 3:54
